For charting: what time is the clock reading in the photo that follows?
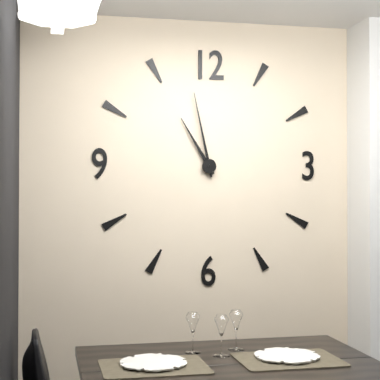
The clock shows 10:58
